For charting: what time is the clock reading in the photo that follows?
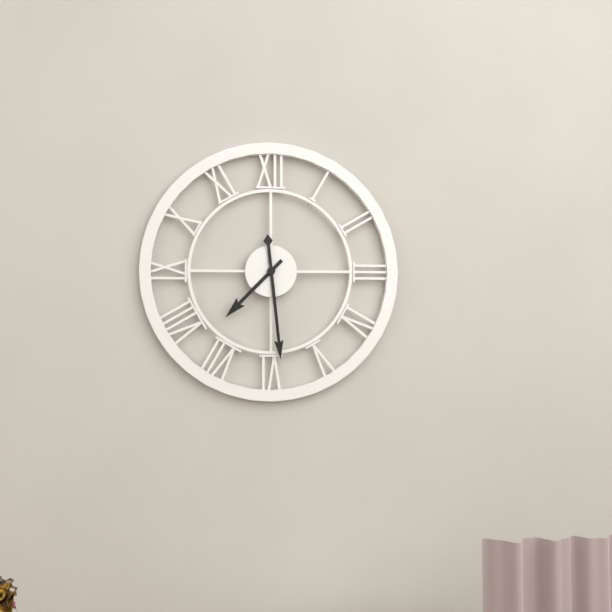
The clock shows 7:29
